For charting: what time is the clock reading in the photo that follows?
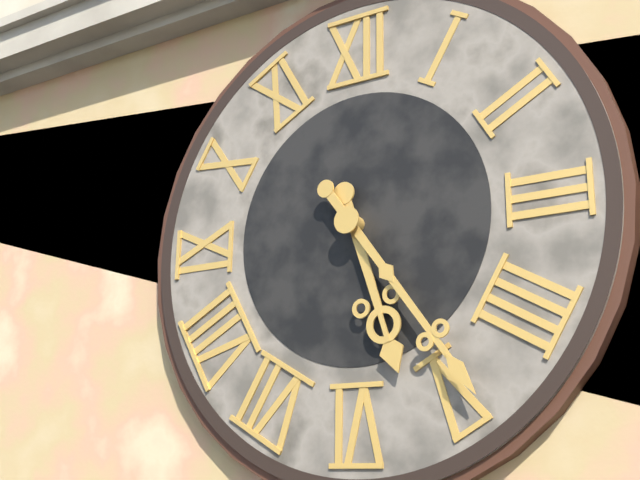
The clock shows 5:24
